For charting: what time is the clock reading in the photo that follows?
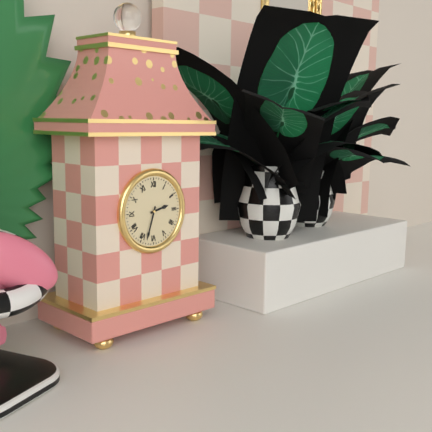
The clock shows 2:33
